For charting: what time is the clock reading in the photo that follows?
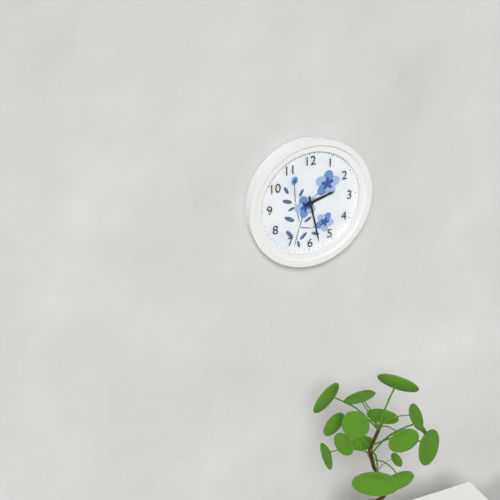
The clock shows 2:28
